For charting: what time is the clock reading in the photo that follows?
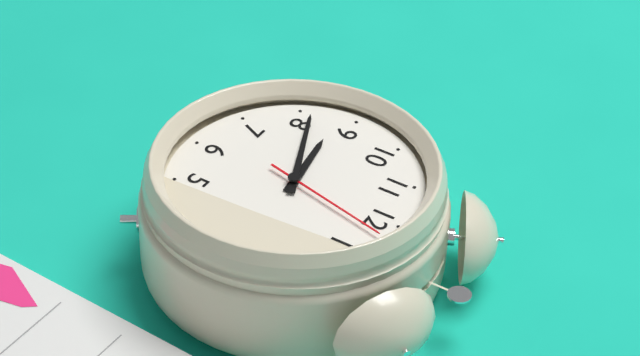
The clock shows 8:41:02
